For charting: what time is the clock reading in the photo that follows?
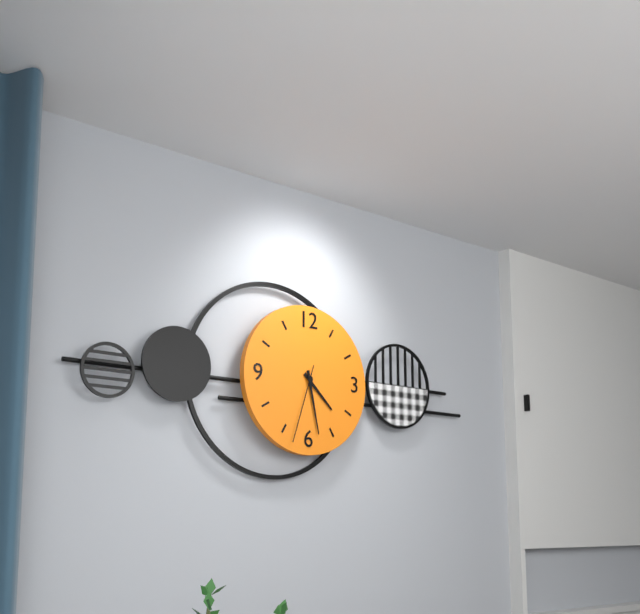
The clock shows 4:28:33
